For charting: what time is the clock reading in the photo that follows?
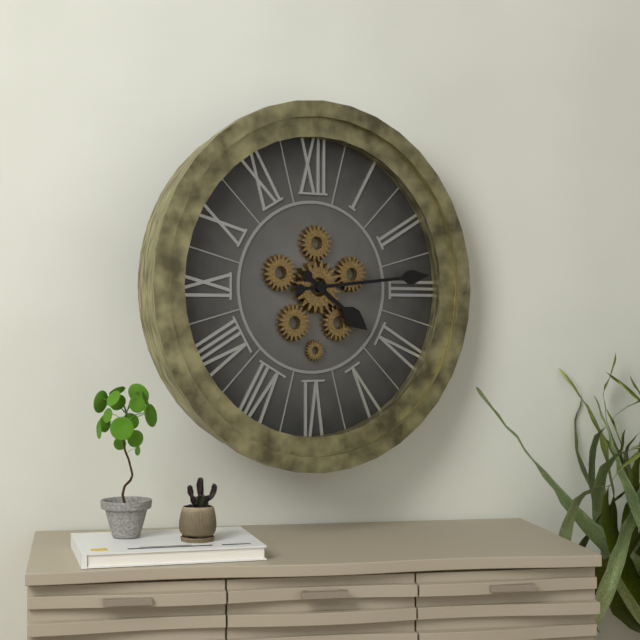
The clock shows 4:14
